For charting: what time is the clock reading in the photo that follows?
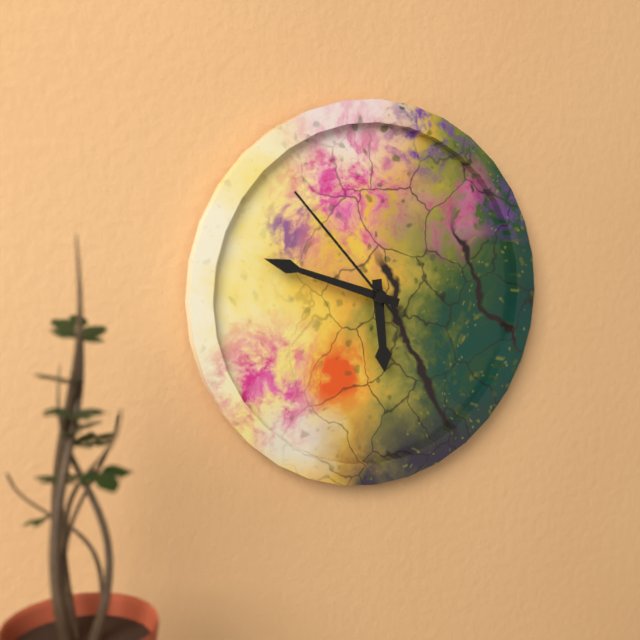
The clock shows 5:48:53
